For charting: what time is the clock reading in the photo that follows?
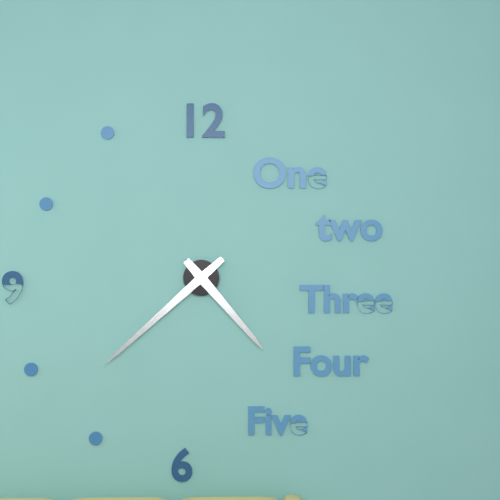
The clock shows 4:38
